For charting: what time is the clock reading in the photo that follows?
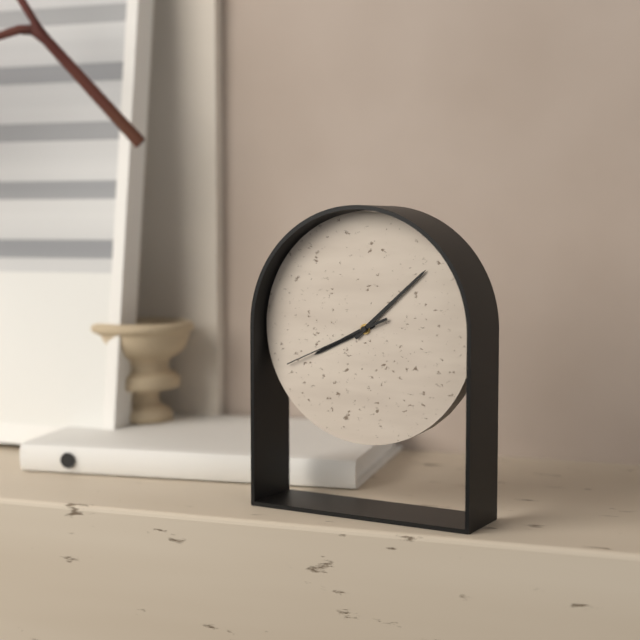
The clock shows 8:08:41
